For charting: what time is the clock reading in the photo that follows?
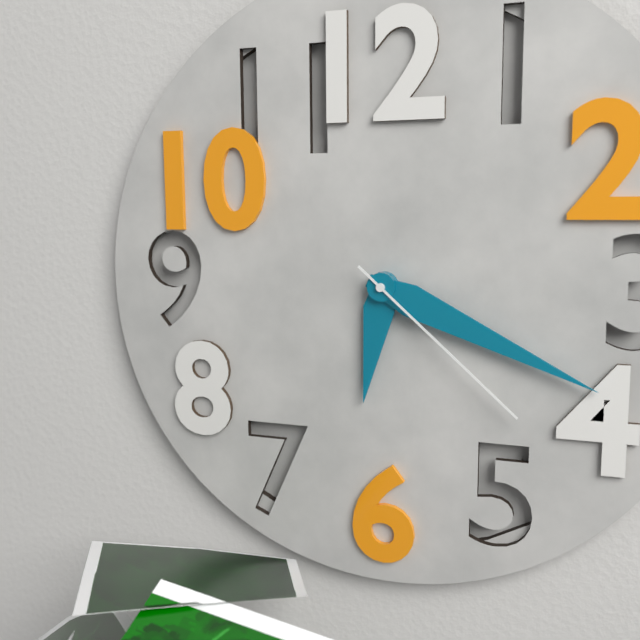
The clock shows 6:19:22
